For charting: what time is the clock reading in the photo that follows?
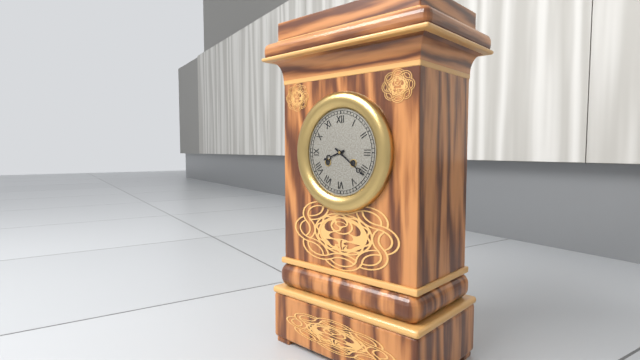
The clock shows 8:21
